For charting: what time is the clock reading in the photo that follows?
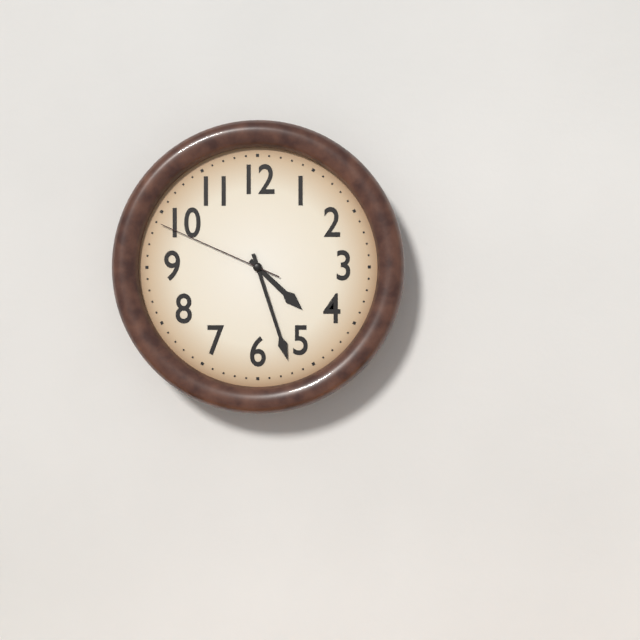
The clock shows 4:27:49
